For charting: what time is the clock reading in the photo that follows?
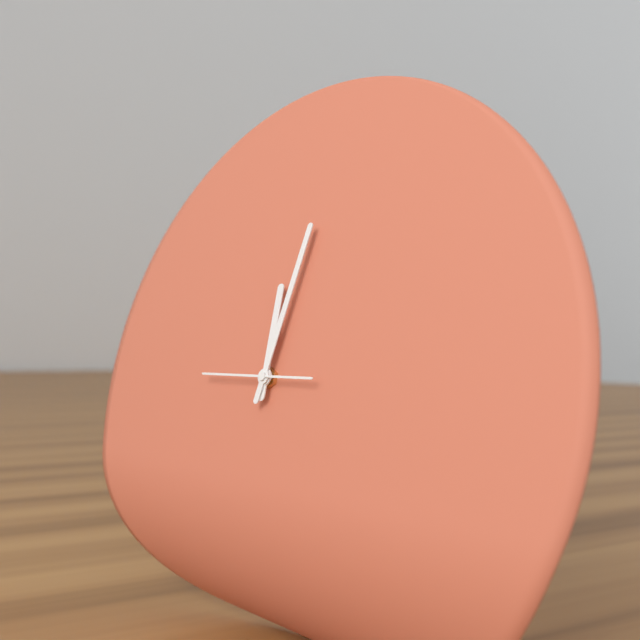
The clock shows 12:02:45
